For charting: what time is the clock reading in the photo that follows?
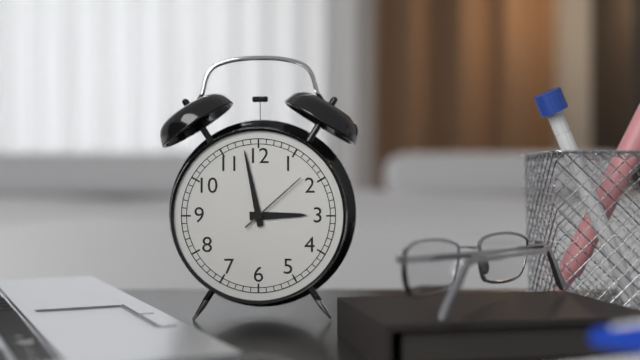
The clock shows 2:58:08
